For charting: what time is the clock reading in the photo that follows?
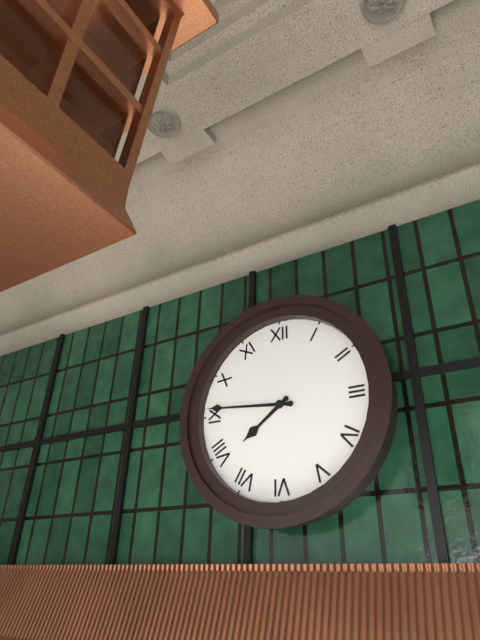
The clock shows 7:46
